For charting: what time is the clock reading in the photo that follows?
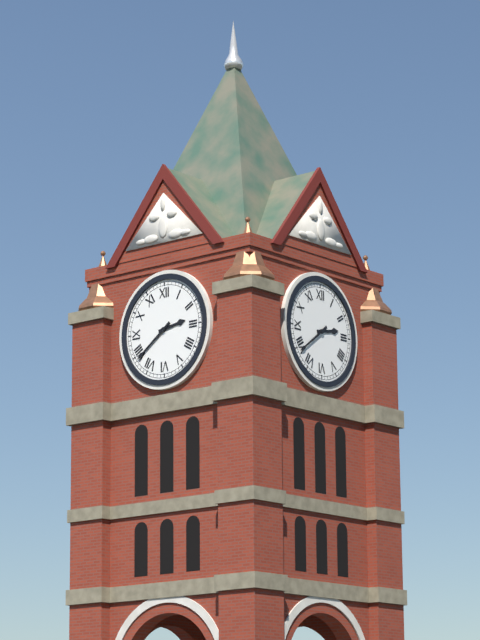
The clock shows 2:39
